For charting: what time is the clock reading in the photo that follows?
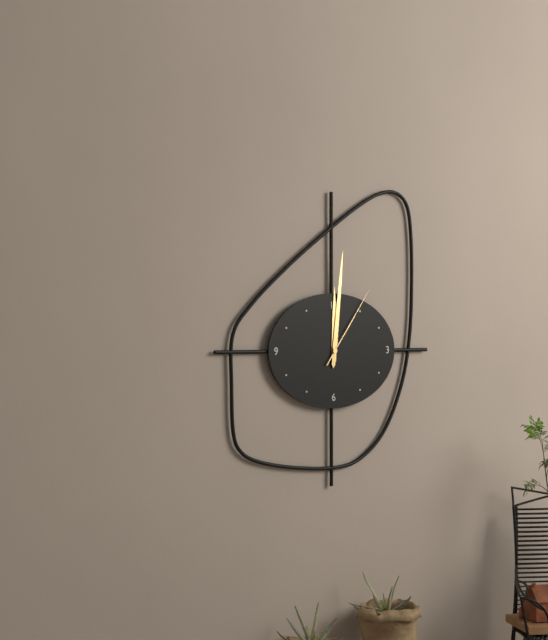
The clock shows 12:01:06
